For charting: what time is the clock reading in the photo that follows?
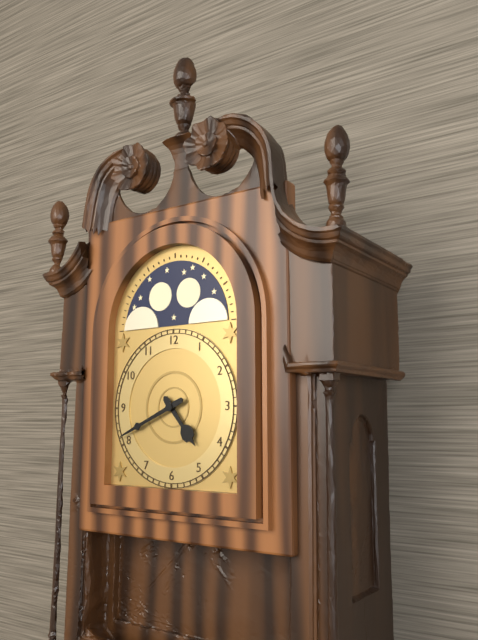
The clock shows 4:41
